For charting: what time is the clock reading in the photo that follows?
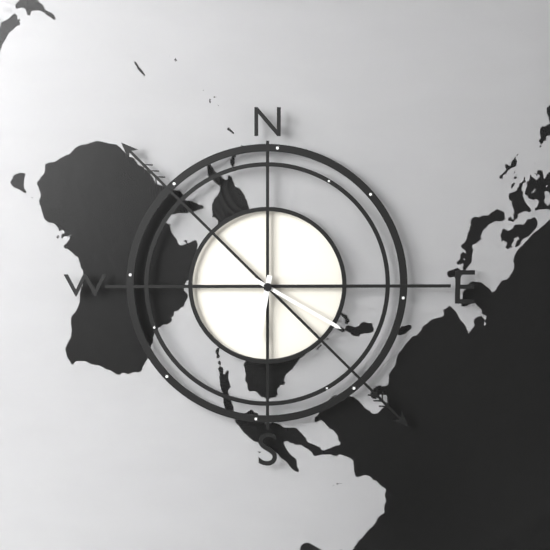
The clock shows 6:20
